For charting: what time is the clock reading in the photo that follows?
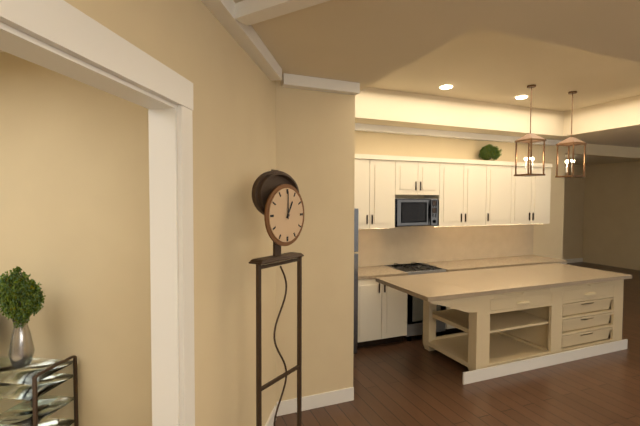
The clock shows 1:00
